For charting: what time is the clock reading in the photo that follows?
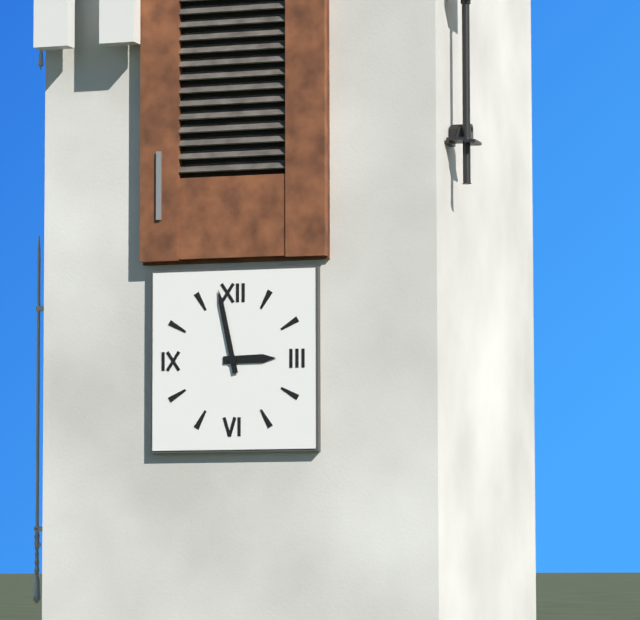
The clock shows 2:58
